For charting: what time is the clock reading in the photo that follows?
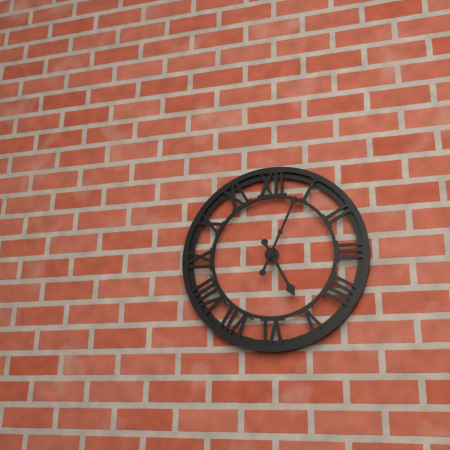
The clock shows 5:04
